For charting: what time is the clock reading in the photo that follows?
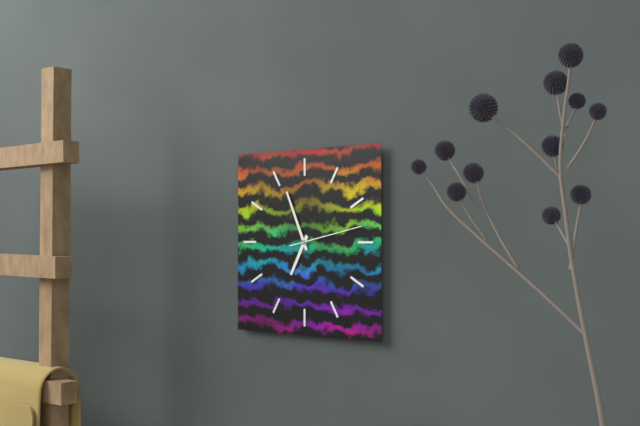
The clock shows 6:56:13
